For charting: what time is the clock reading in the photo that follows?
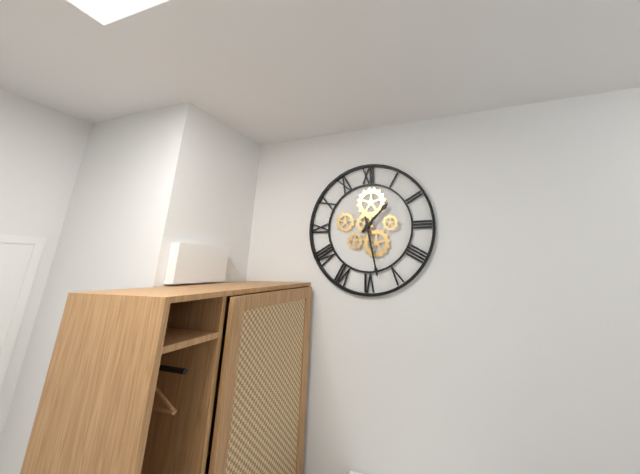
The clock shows 1:28
